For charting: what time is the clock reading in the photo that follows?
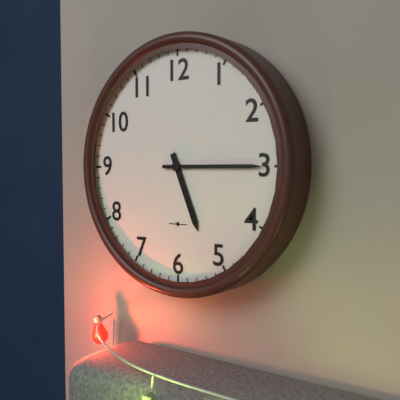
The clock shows 5:15
